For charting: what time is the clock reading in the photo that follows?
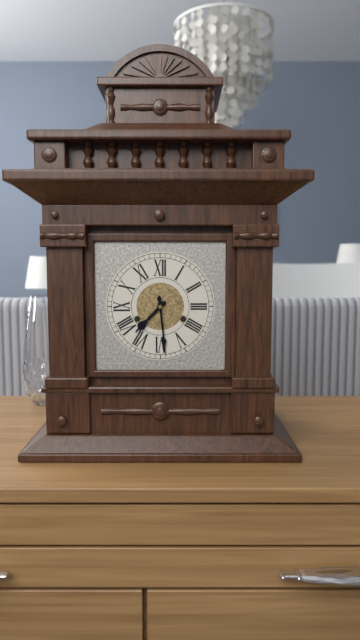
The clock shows 7:29
